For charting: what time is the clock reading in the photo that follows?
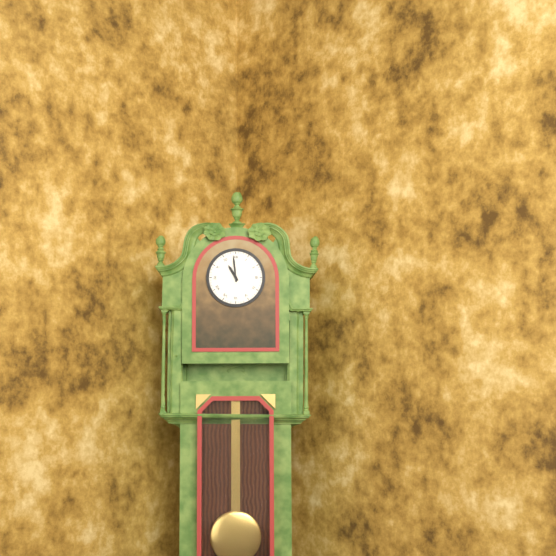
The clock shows 10:59
